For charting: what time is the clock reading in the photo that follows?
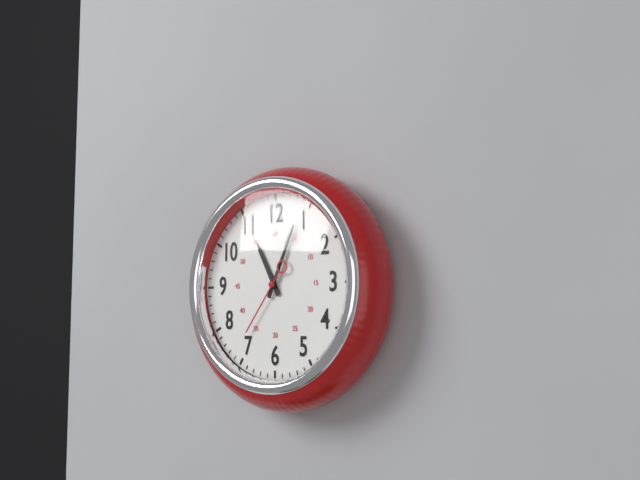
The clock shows 11:04:36
